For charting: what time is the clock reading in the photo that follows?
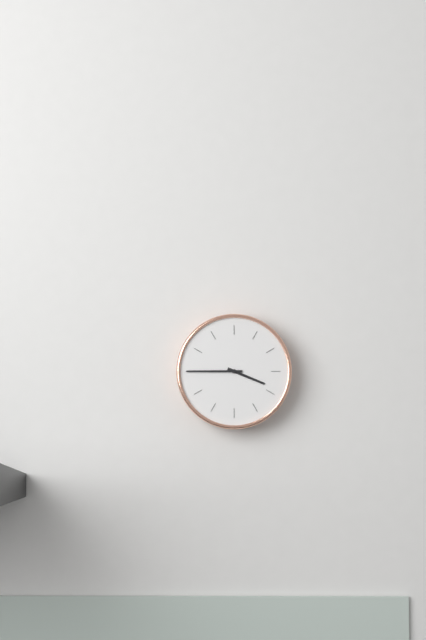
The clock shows 3:45
